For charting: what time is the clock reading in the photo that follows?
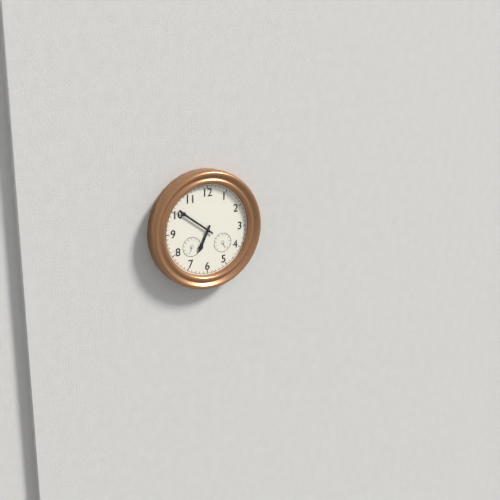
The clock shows 6:51
